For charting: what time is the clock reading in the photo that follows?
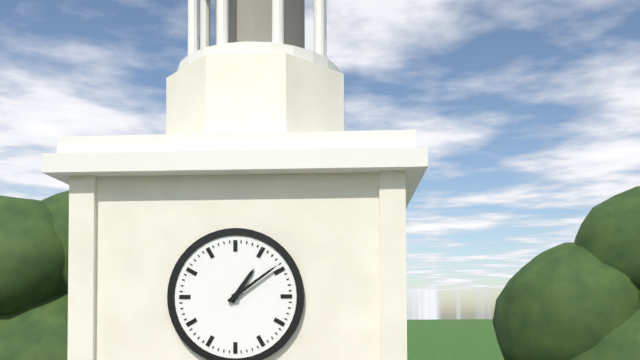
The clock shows 1:09
